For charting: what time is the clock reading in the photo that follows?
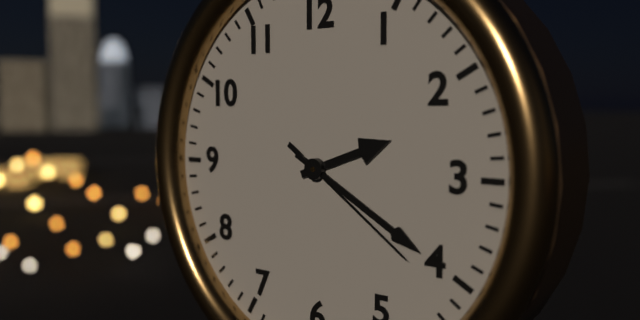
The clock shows 2:20:21
